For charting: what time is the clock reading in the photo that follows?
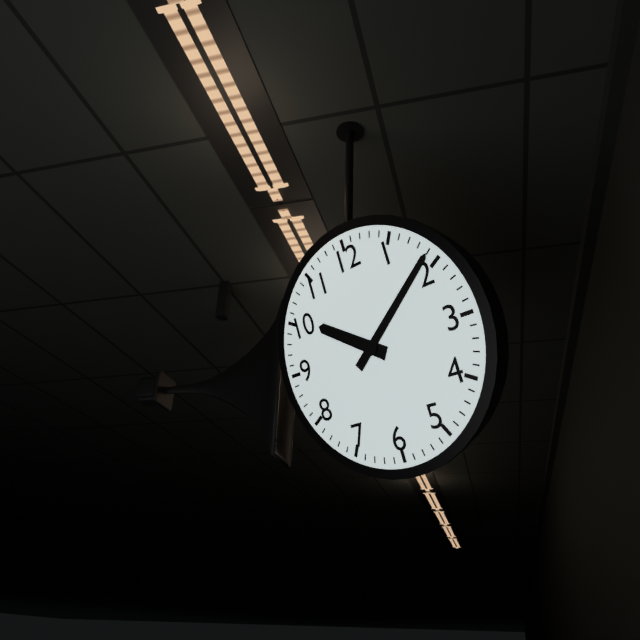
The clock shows 10:09
